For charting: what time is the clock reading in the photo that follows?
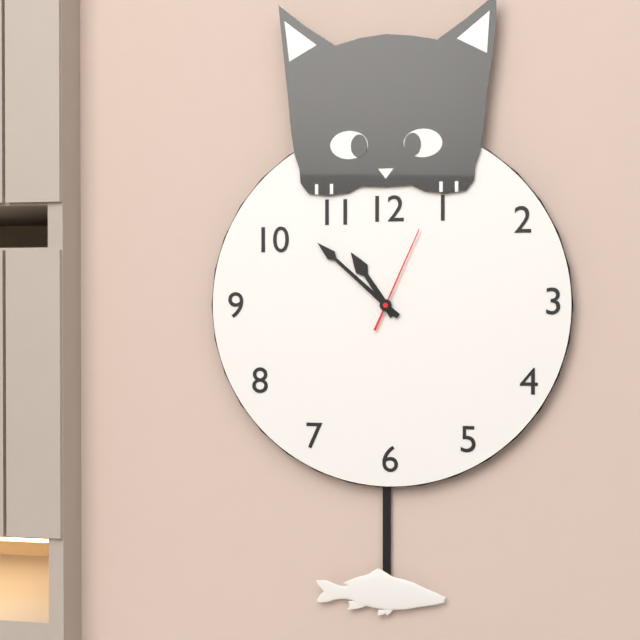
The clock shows 10:52:04
